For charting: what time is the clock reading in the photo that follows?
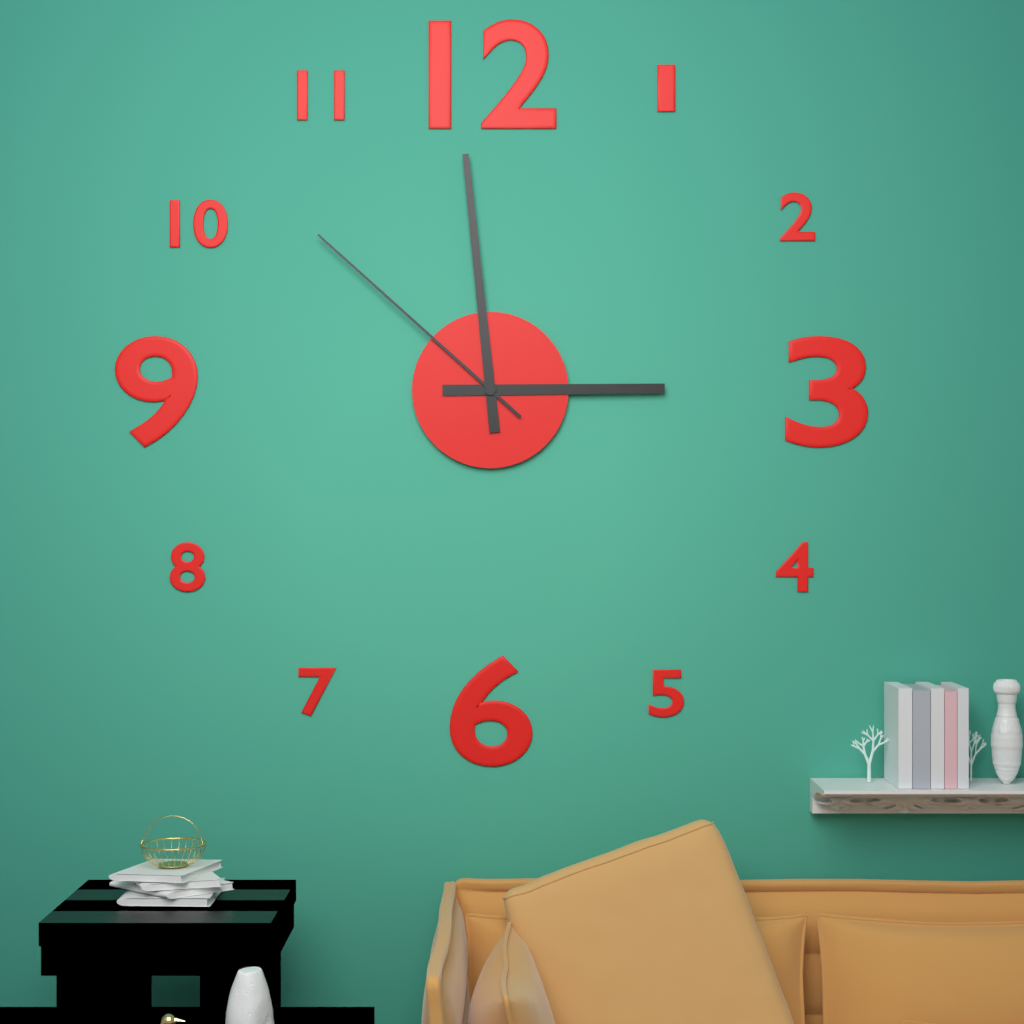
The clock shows 2:59:52
